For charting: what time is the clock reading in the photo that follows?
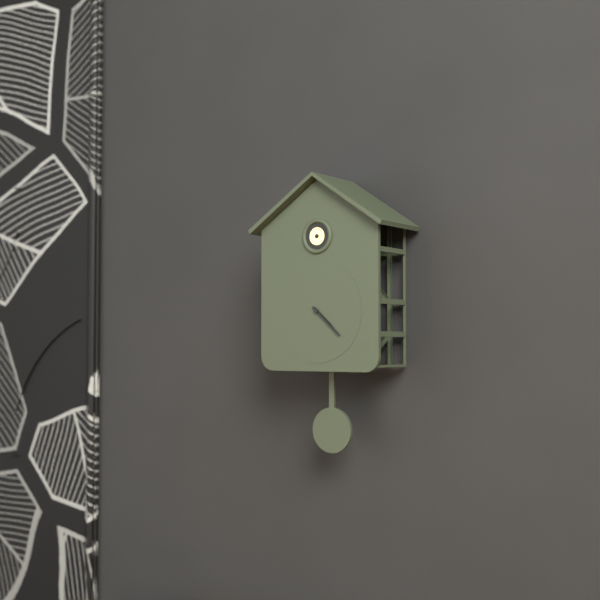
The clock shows 4:22
